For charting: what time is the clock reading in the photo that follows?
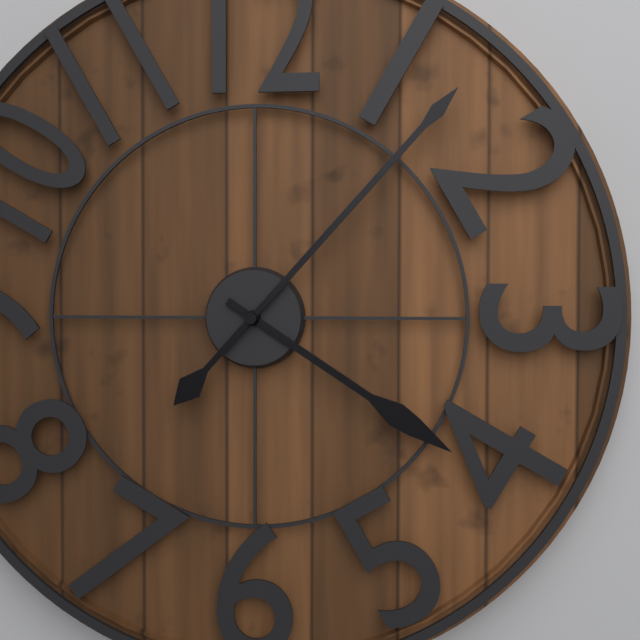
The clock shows 4:07
